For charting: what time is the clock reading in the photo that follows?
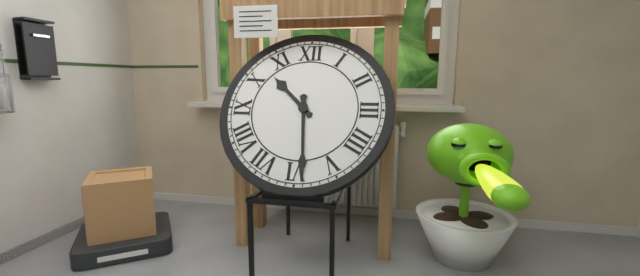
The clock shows 10:29
